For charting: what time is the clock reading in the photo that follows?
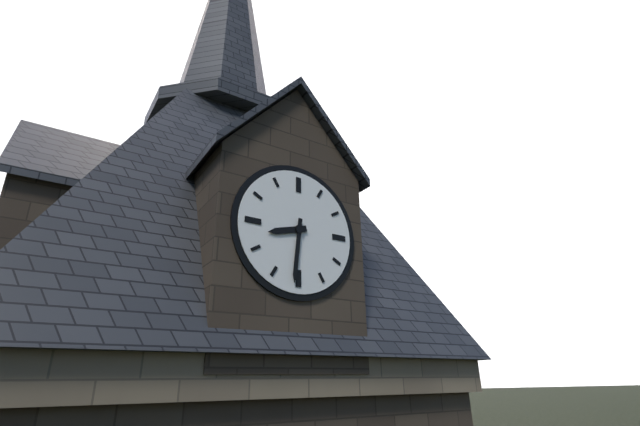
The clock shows 8:31
